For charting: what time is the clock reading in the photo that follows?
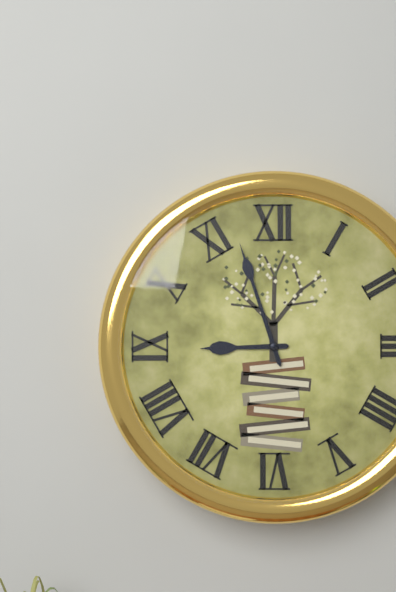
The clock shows 8:57
